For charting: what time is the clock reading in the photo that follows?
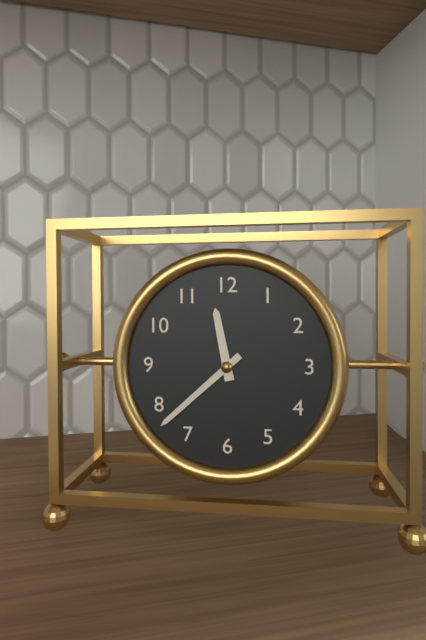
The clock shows 11:38
